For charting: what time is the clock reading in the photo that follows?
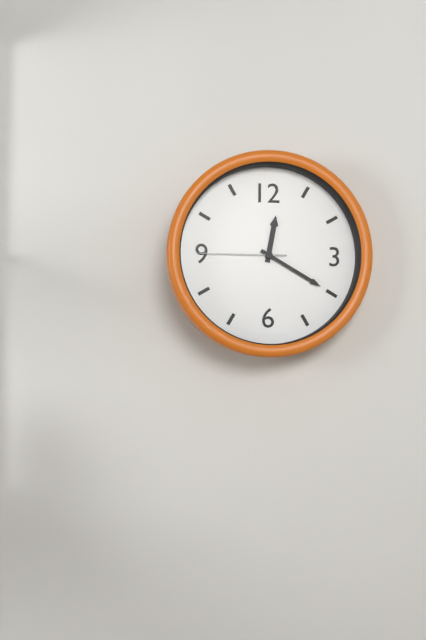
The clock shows 12:20:45
